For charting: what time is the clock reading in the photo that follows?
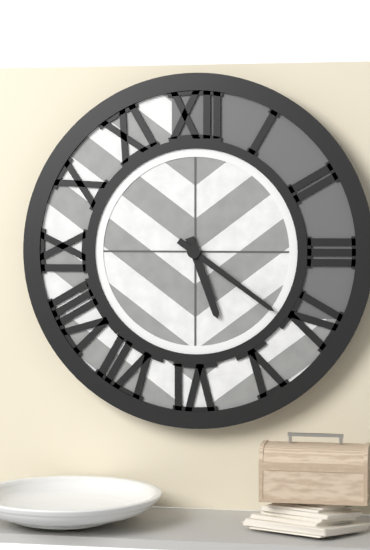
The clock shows 5:21
